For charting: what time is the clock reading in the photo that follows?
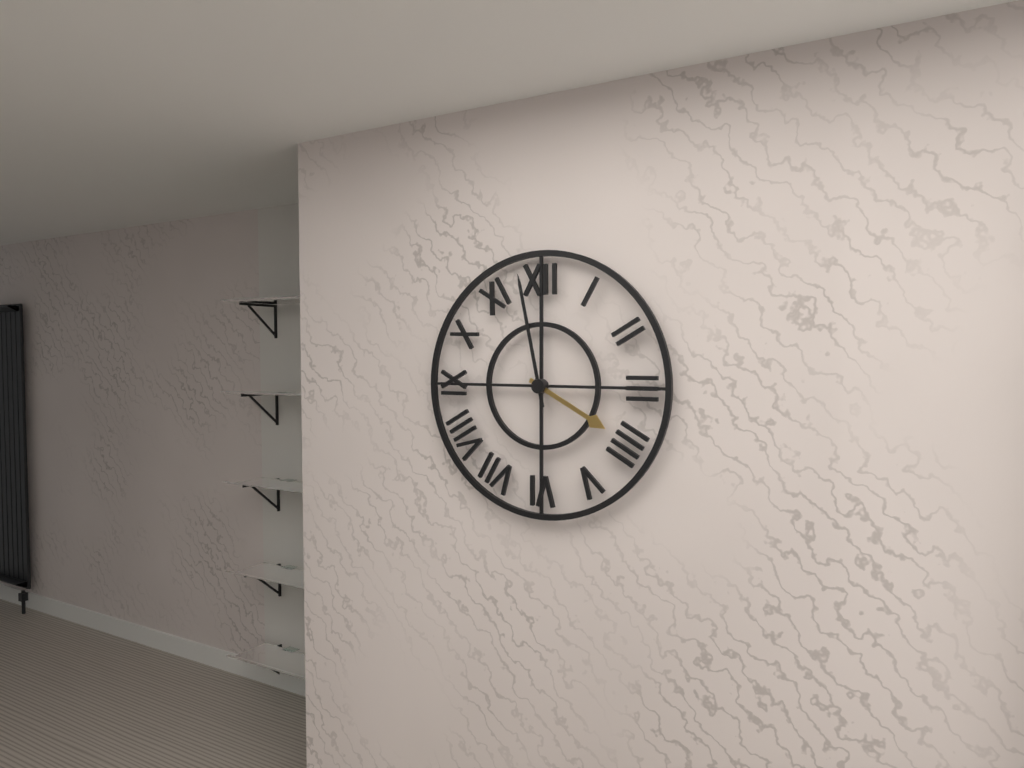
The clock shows 3:58
